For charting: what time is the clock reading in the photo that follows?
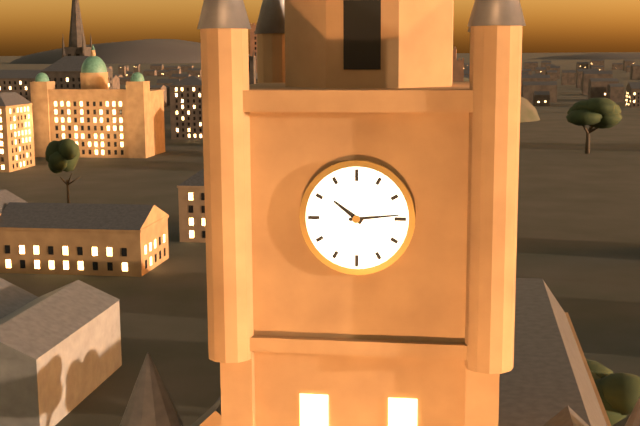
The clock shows 10:14
